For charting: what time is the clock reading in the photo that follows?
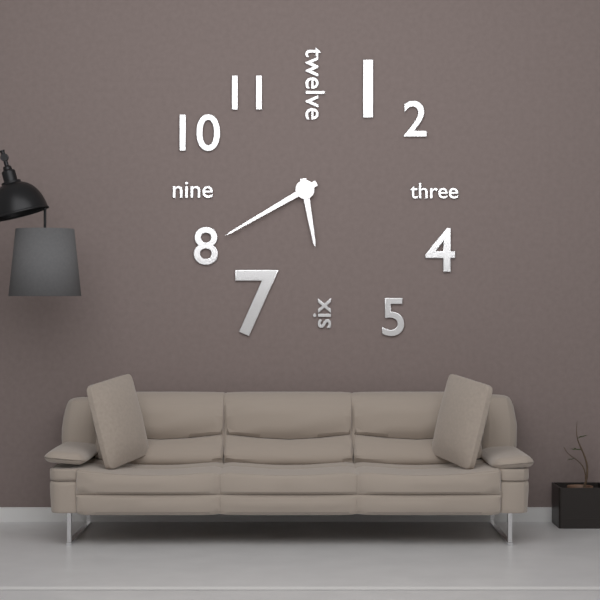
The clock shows 5:40
